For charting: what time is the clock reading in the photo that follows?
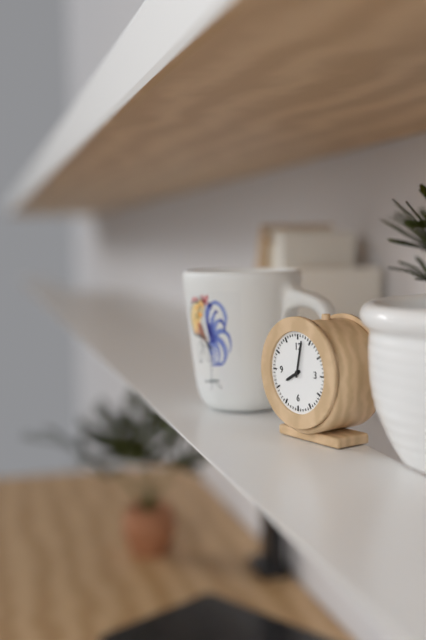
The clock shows 8:02
